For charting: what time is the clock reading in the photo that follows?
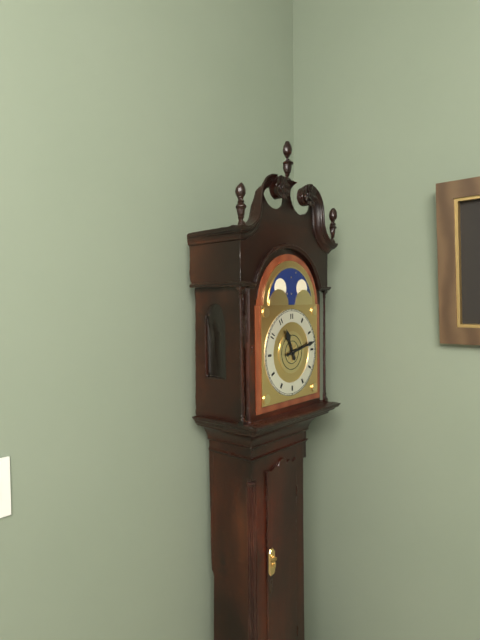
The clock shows 11:13
